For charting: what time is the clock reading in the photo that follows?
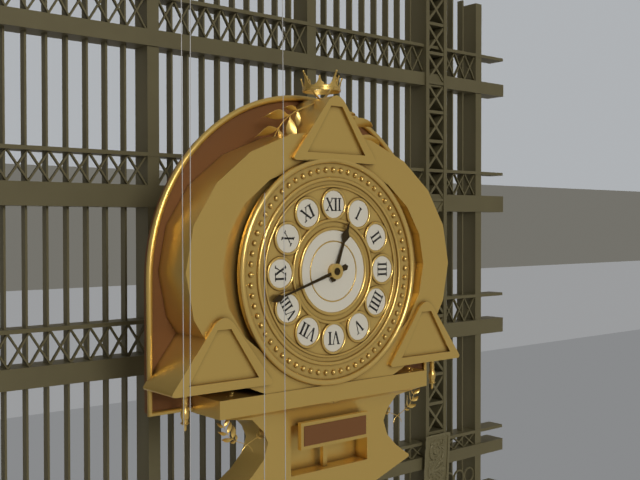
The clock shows 12:42
